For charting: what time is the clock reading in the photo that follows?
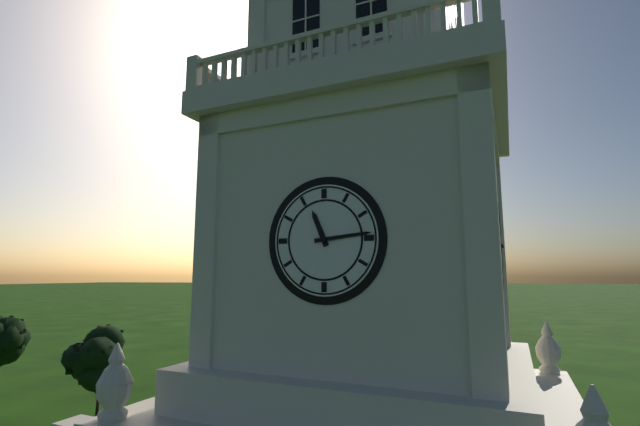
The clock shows 11:14
